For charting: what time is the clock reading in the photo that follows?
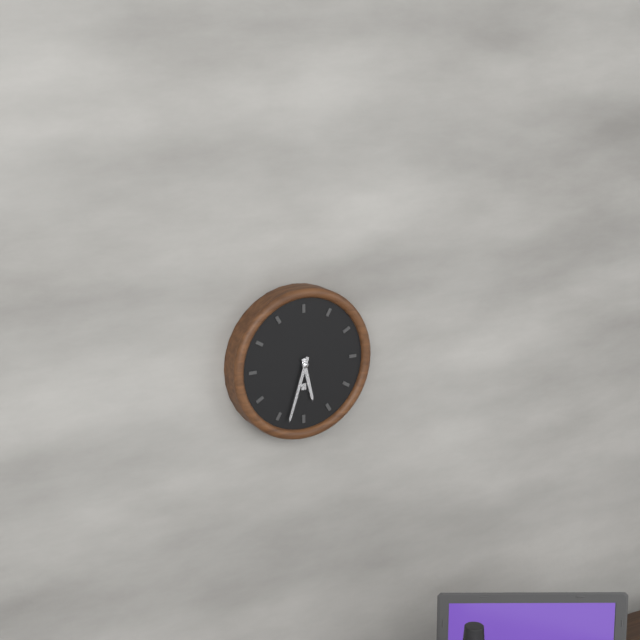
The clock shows 5:33
